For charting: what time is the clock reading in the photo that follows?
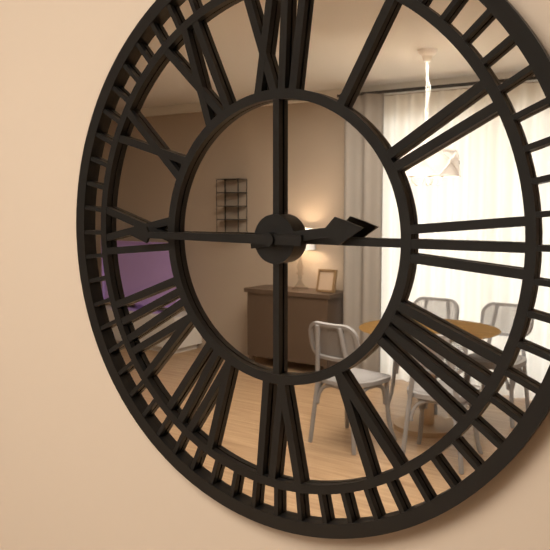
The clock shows 2:45
